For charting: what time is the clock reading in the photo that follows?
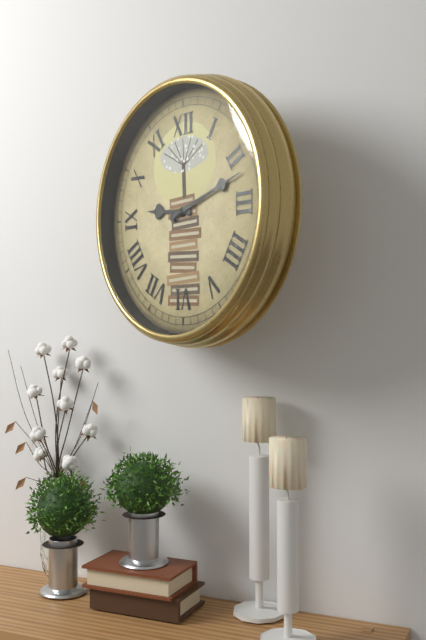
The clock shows 9:12
